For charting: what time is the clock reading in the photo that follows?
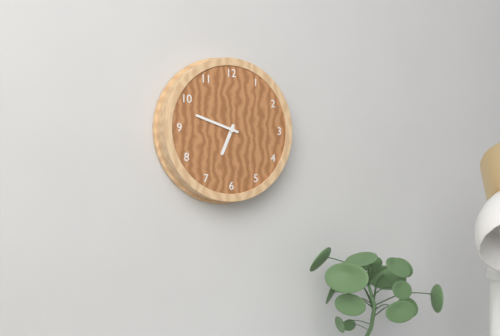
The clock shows 6:48
